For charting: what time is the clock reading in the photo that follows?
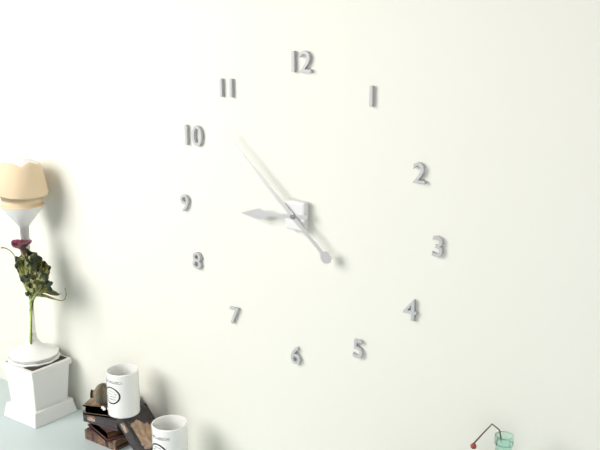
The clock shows 8:52
